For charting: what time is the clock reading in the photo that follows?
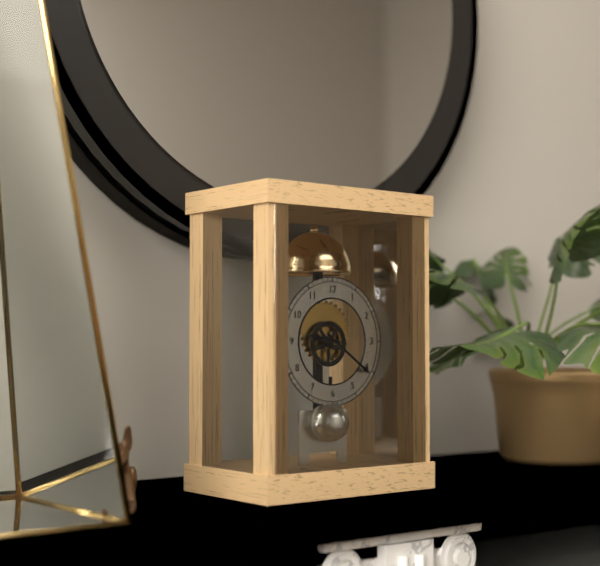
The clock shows 9:21
